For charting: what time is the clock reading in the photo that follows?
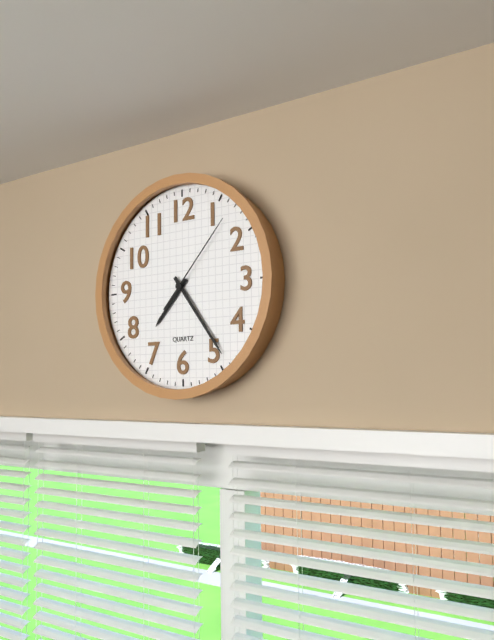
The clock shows 7:24:07
